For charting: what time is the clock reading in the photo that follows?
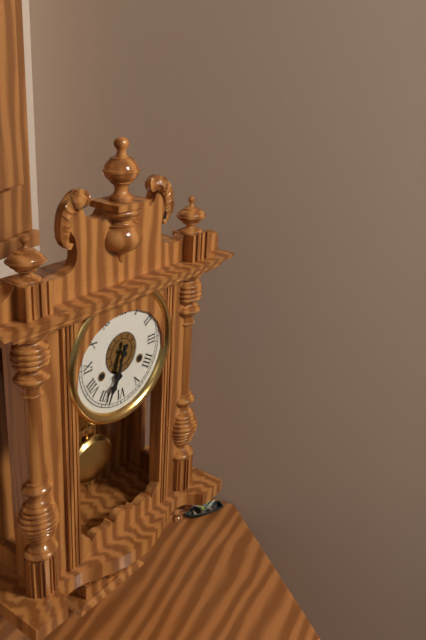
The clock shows 6:34
